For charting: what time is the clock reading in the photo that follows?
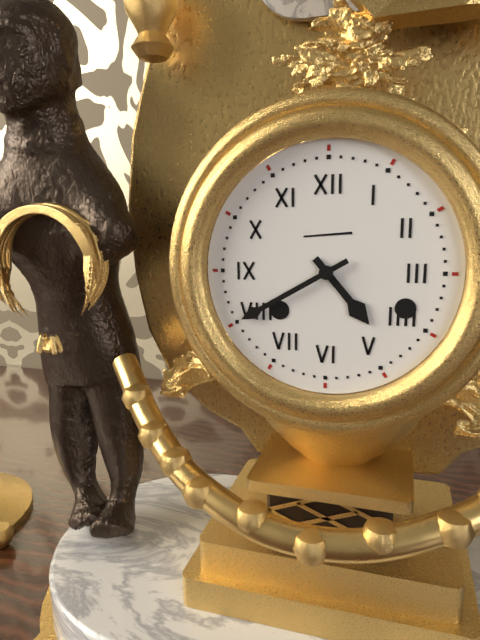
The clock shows 4:40
